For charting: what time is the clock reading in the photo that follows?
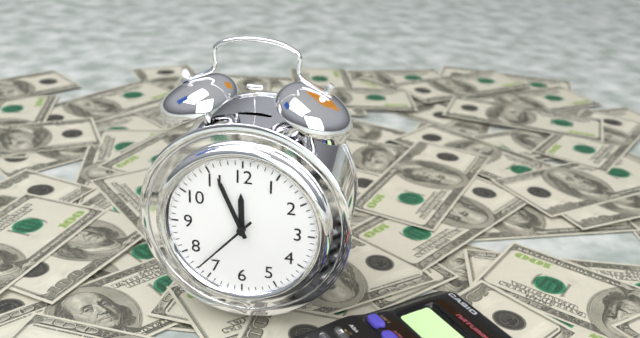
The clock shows 11:56:37
